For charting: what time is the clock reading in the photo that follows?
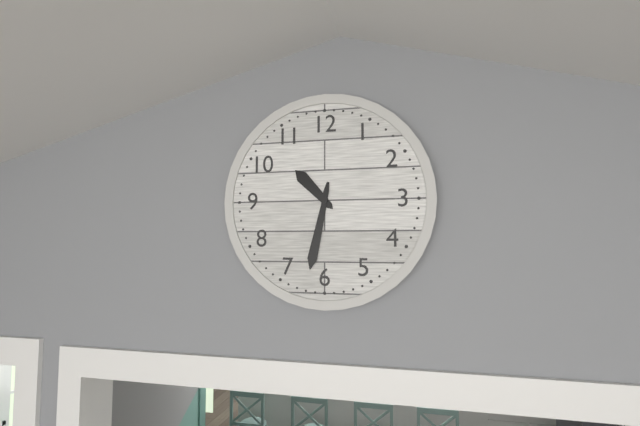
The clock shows 10:32
